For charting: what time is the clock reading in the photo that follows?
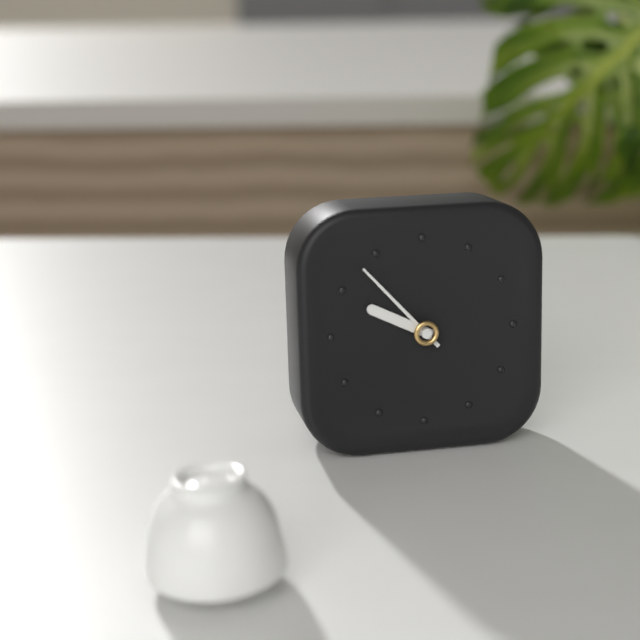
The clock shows 9:53
